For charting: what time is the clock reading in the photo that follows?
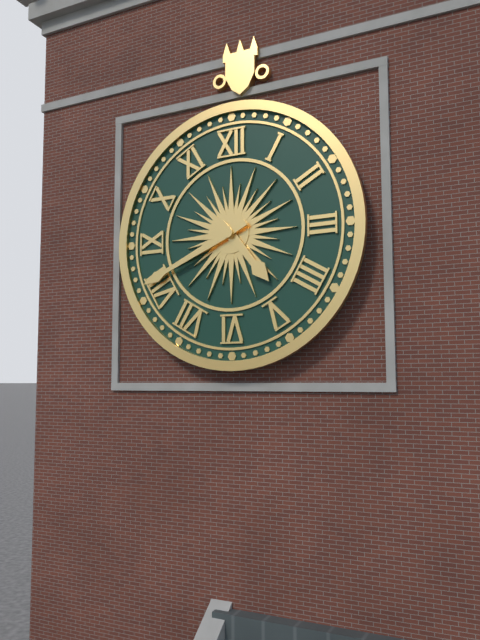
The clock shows 4:41
